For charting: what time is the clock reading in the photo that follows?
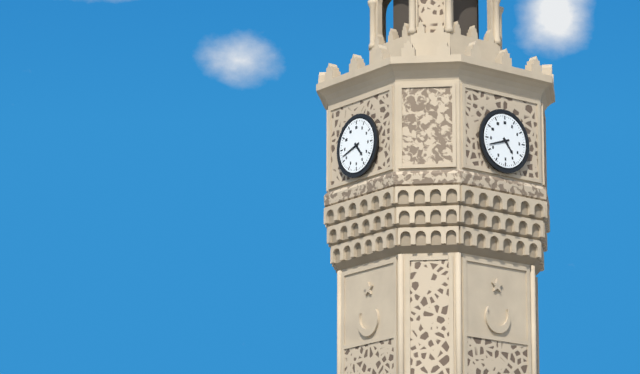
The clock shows 4:42
